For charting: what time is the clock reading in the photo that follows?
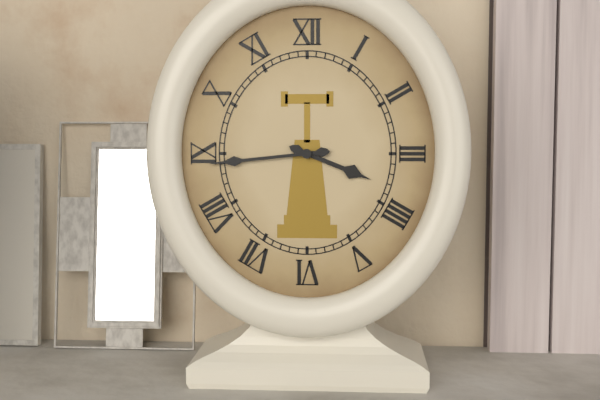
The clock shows 3:44
